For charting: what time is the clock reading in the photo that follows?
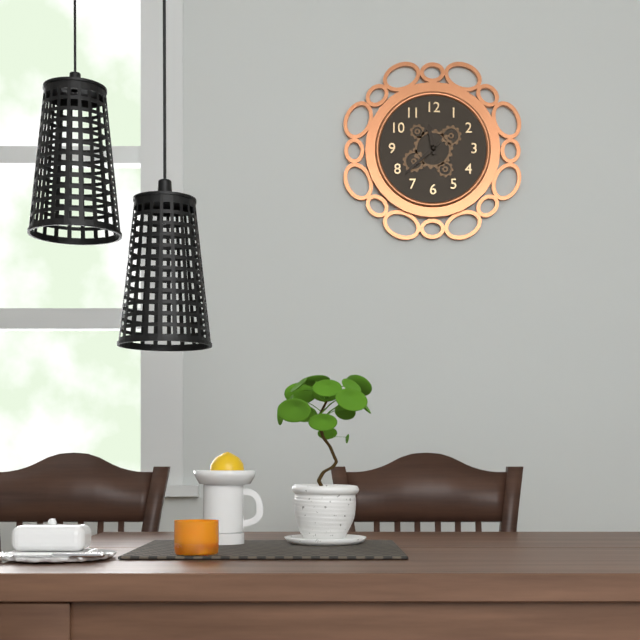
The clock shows 11:38
